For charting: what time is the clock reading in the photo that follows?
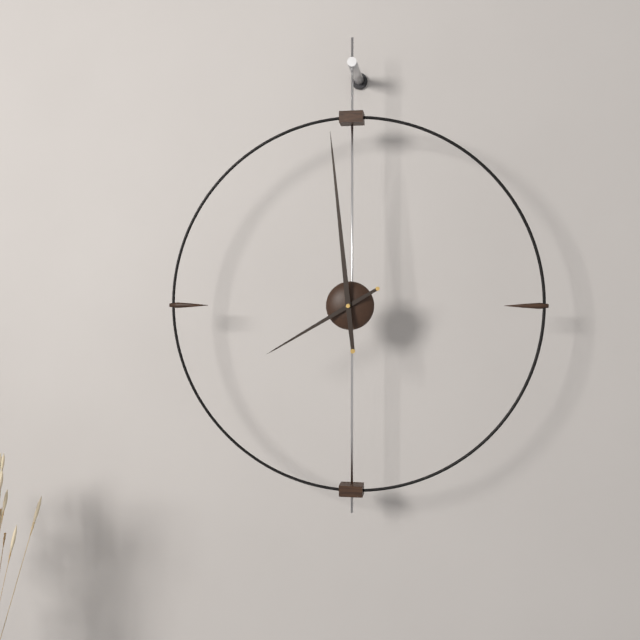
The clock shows 7:59
